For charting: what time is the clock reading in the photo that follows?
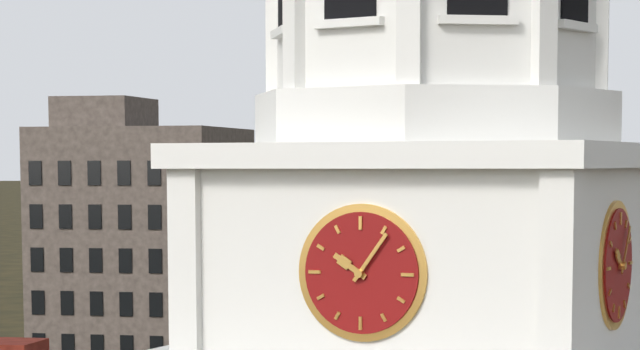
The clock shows 10:06
